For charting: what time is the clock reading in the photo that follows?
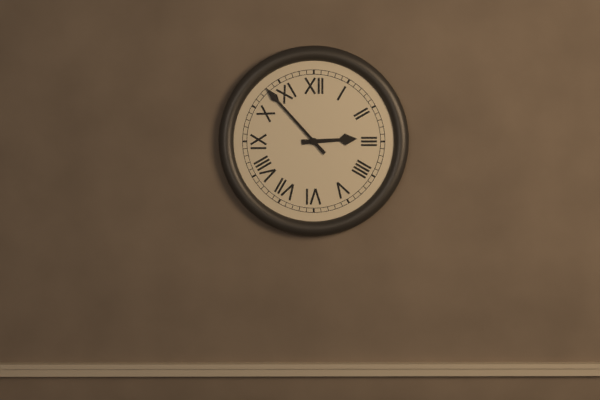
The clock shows 2:53
